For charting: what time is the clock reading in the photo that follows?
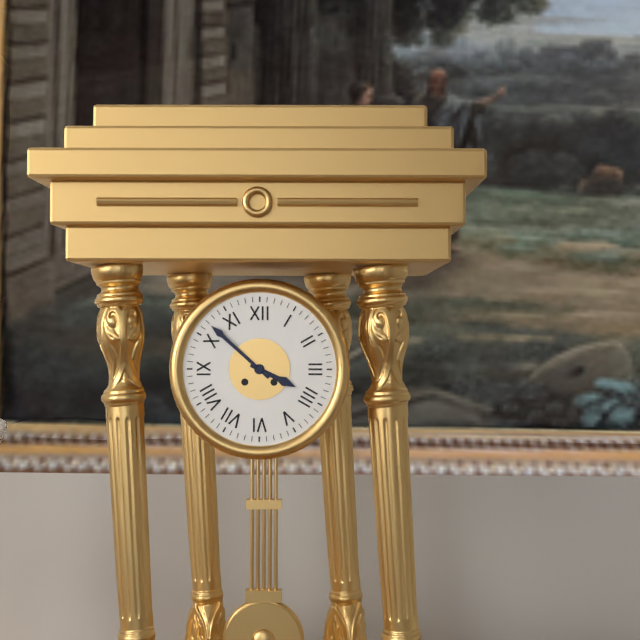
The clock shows 3:52
